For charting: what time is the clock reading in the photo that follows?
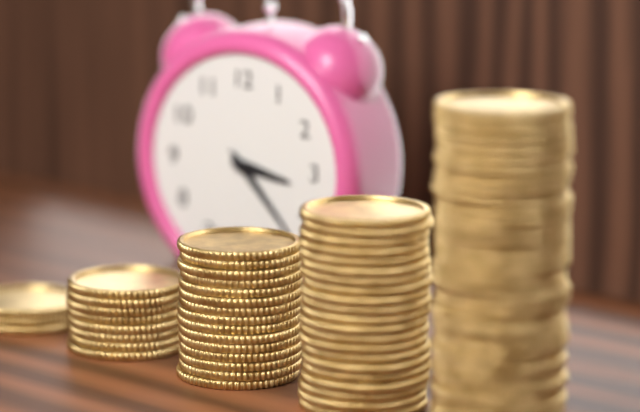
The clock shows 3:23:23
